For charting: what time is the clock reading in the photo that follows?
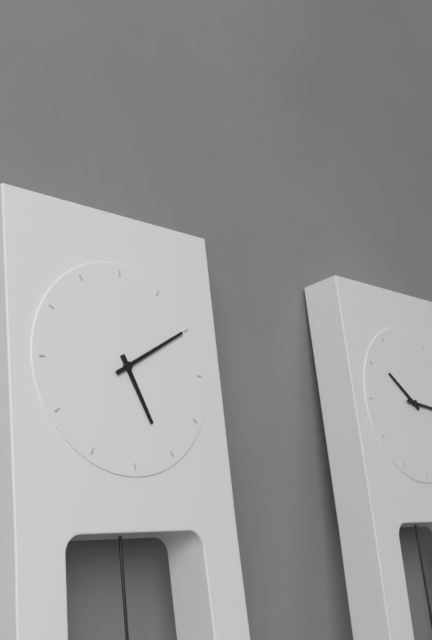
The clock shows 5:10
